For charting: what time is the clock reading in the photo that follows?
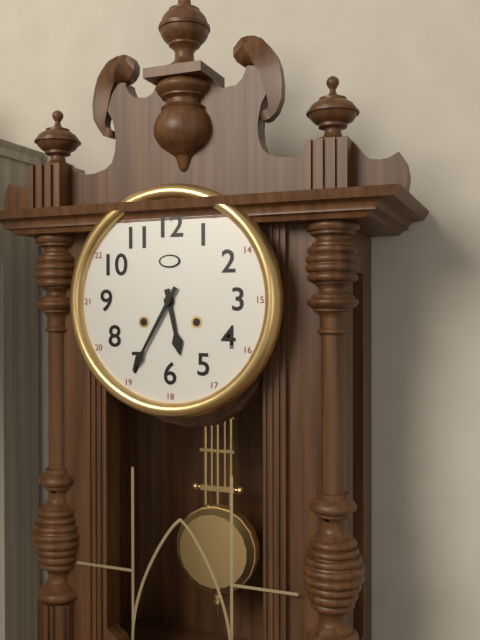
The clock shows 5:35
